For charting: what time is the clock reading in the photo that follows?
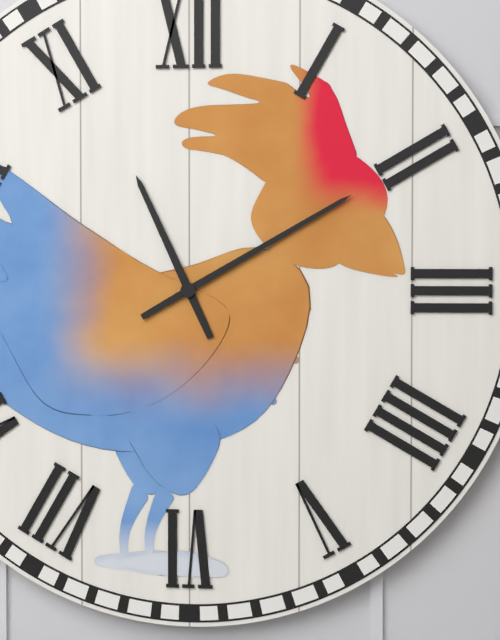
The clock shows 11:10
